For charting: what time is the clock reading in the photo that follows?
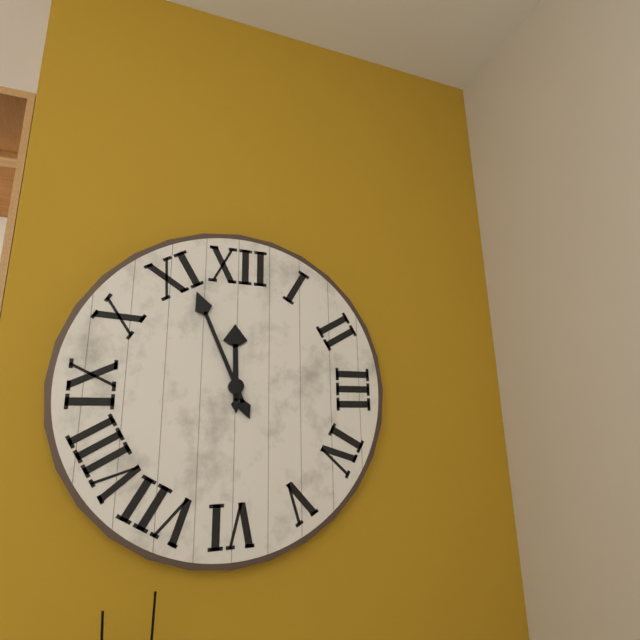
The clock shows 11:56
